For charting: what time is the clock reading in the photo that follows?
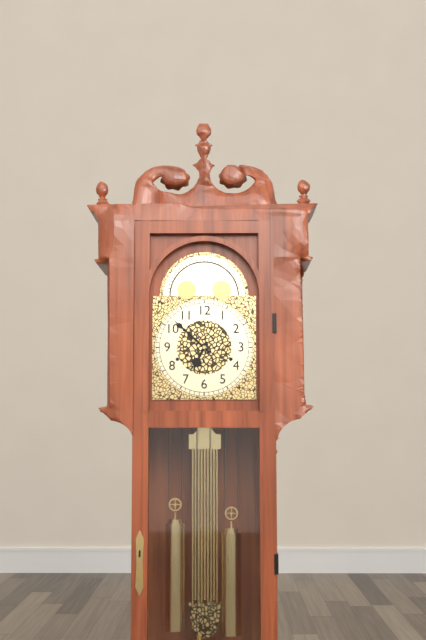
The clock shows 6:52
